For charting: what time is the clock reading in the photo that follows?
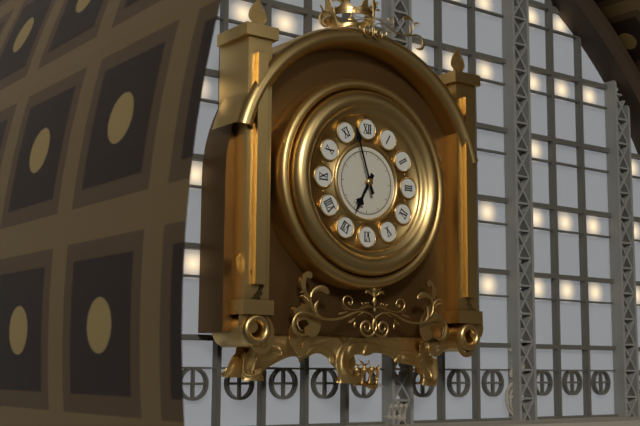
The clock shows 6:57
